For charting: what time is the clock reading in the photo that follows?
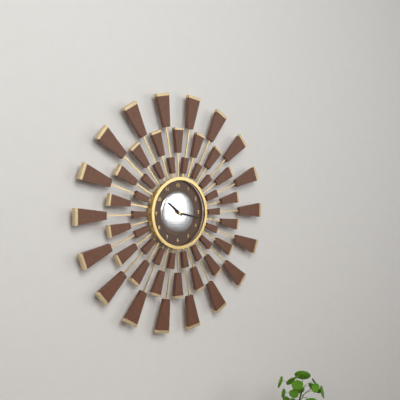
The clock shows 10:17
